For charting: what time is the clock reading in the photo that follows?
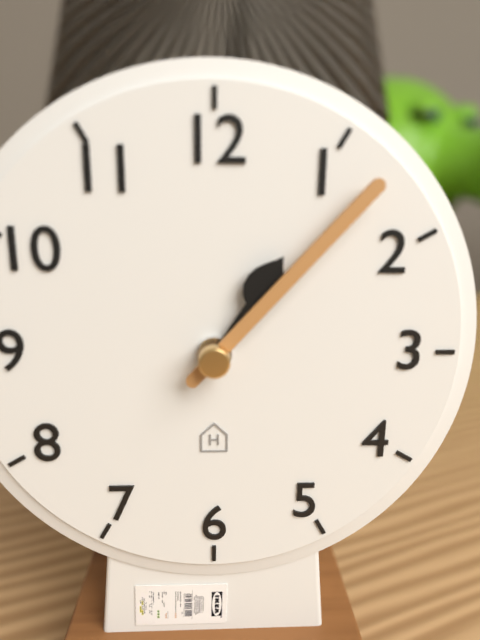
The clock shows 1:07
